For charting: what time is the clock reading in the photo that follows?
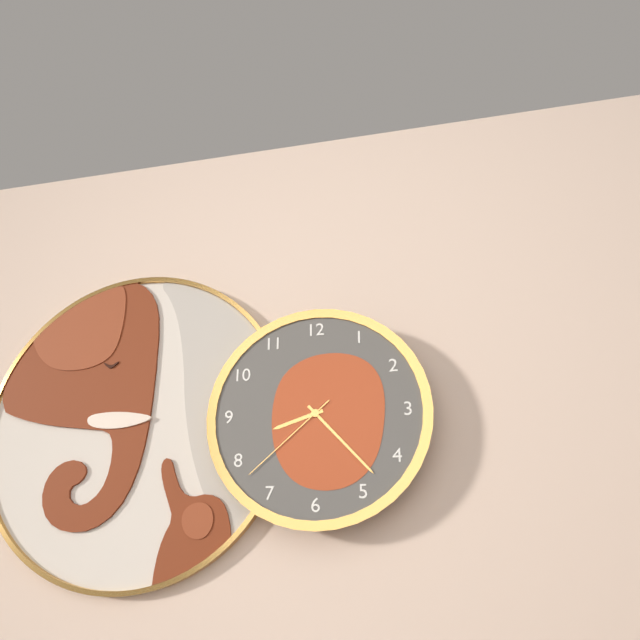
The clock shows 8:23:38
